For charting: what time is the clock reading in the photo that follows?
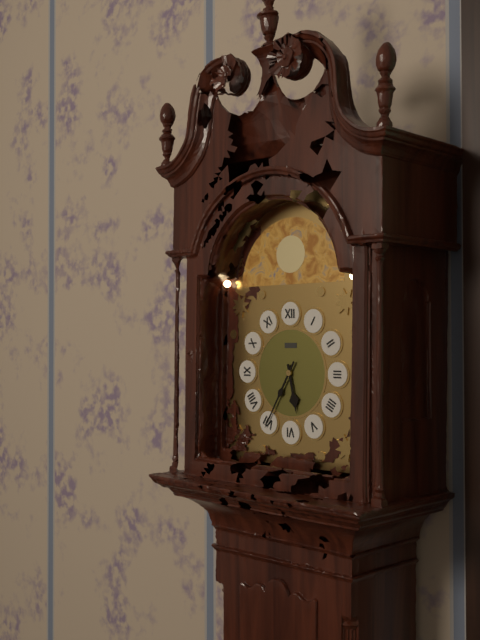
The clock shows 5:35
